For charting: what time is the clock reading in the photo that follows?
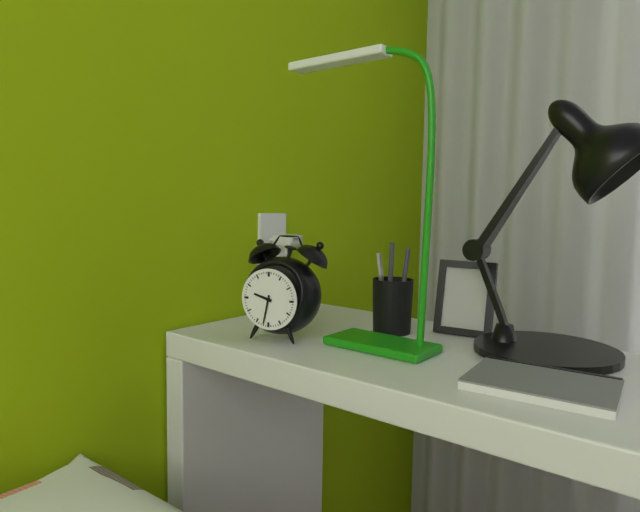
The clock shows 9:32
